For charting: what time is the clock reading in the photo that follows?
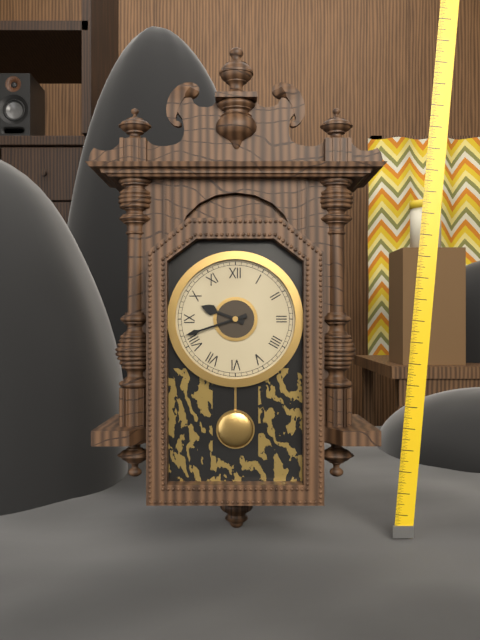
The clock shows 9:42
